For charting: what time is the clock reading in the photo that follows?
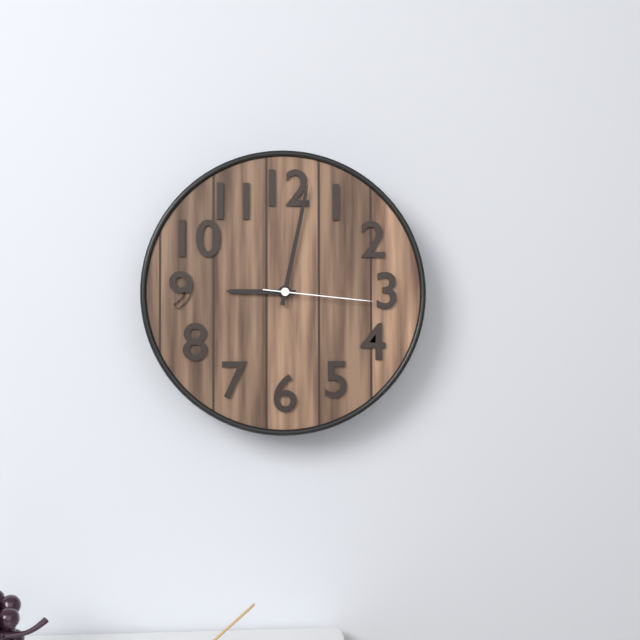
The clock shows 9:02:16
